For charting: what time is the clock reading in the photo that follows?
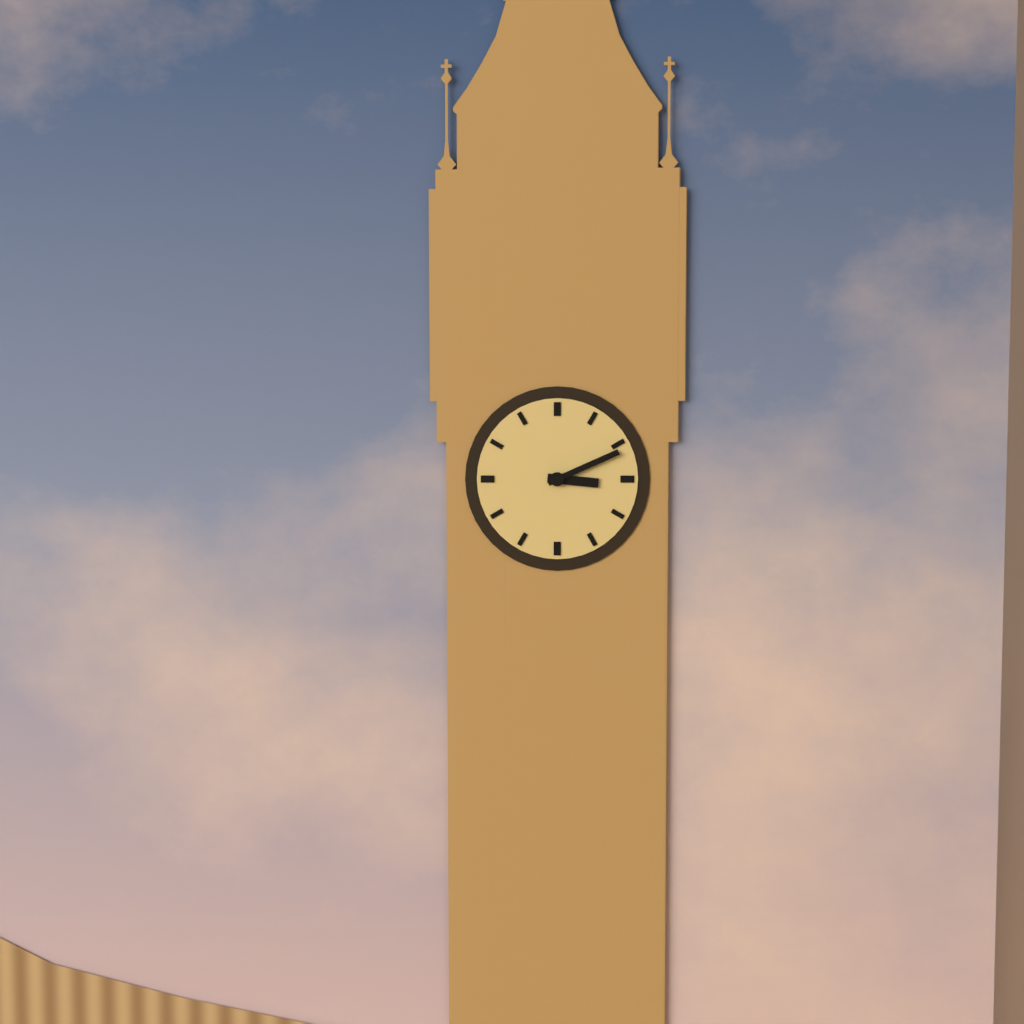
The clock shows 3:11
